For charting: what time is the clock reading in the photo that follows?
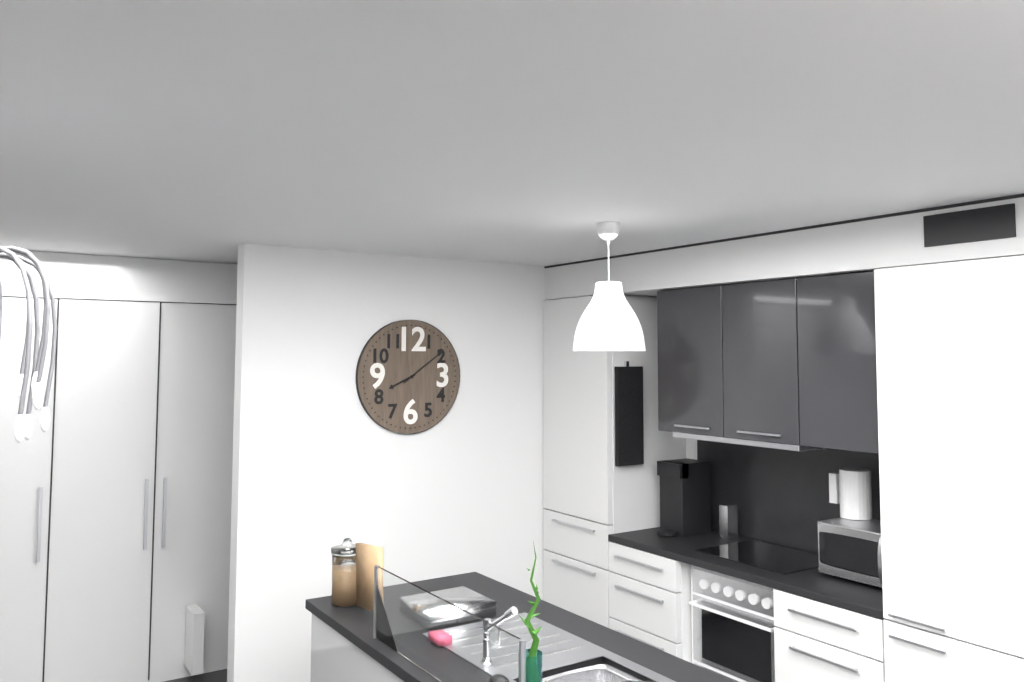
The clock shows 8:09
